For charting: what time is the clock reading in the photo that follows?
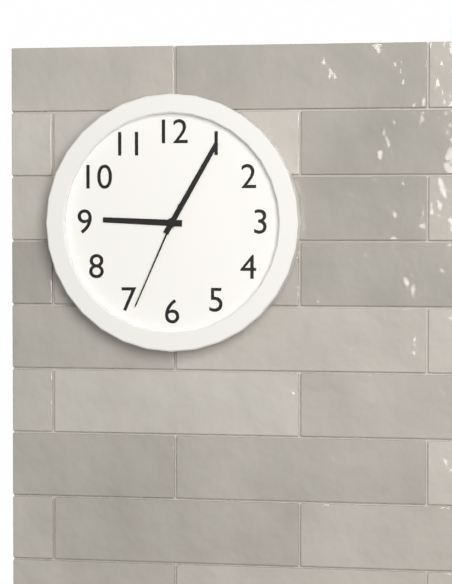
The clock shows 9:05:34
